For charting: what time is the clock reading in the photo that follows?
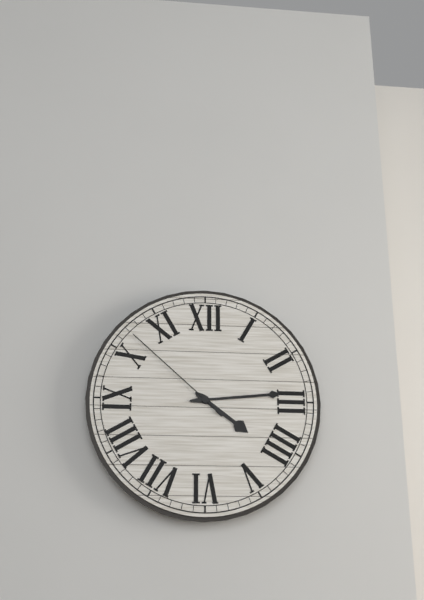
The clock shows 4:14:52
